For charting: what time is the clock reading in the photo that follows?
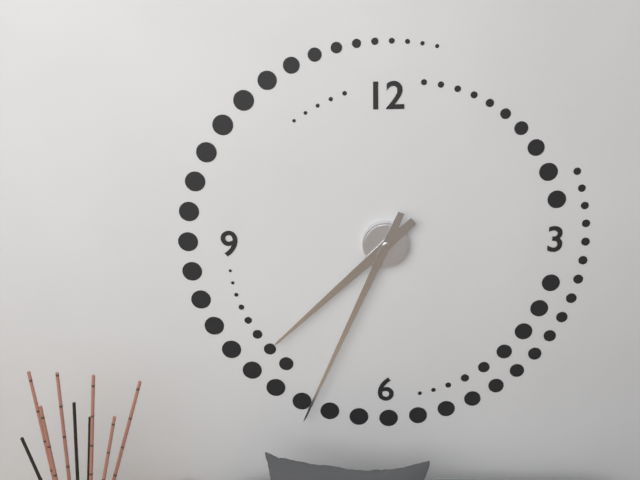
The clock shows 7:34
